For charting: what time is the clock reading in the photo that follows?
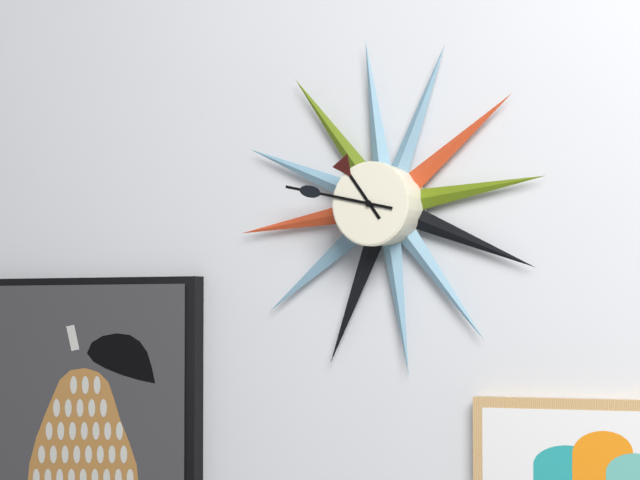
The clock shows 10:47
